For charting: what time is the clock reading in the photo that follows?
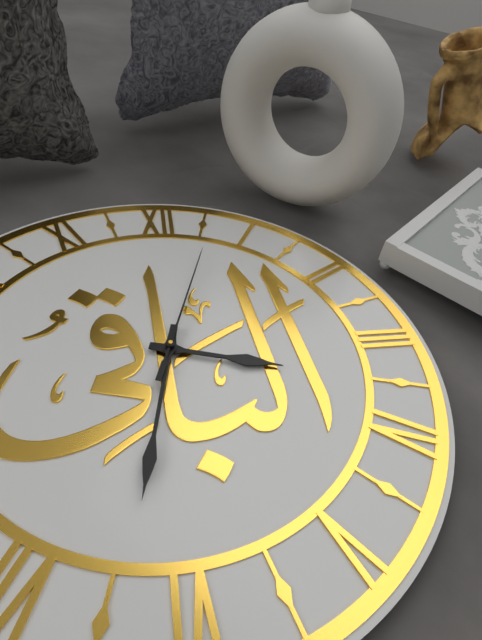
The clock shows 3:32:03
